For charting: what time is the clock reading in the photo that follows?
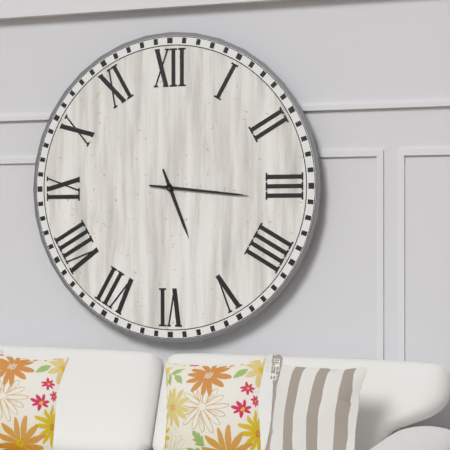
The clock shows 5:16
